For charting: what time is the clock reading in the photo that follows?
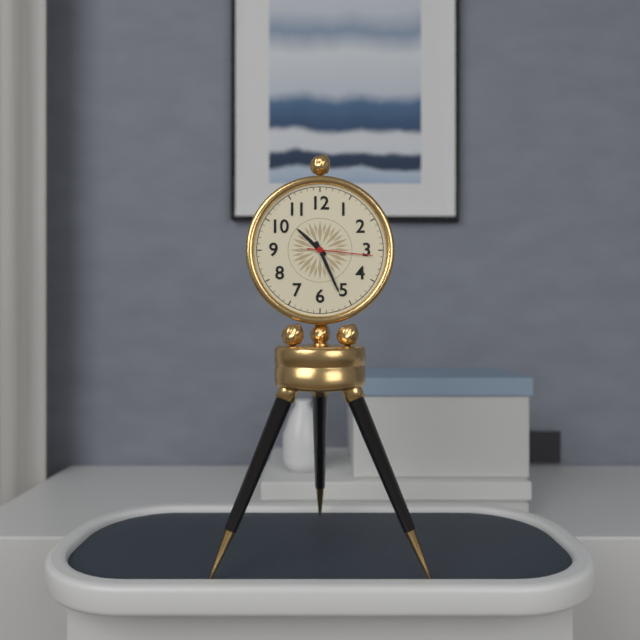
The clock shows 10:26:16
